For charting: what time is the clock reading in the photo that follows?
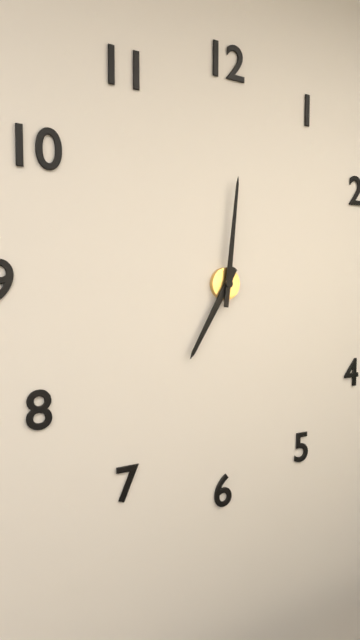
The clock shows 7:01
